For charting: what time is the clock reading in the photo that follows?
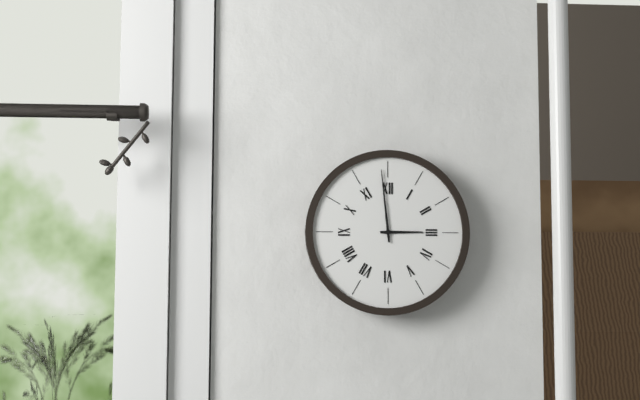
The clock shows 2:59
